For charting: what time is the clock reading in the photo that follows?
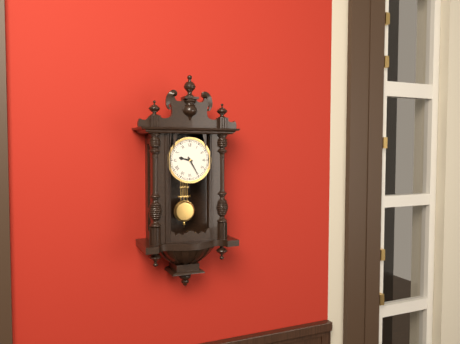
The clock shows 9:25
